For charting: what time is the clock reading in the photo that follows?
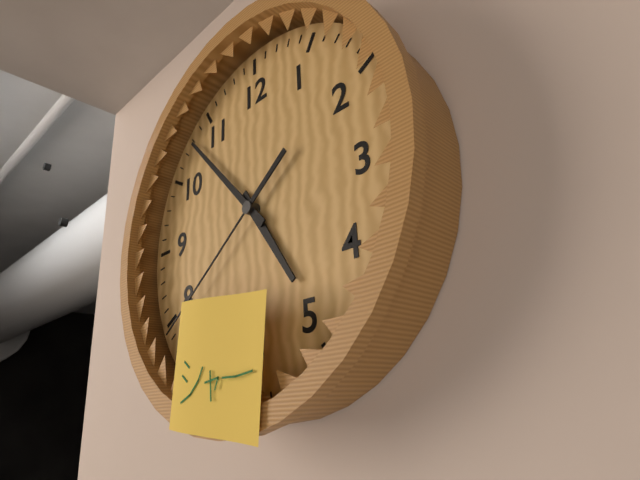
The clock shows 4:53:39
